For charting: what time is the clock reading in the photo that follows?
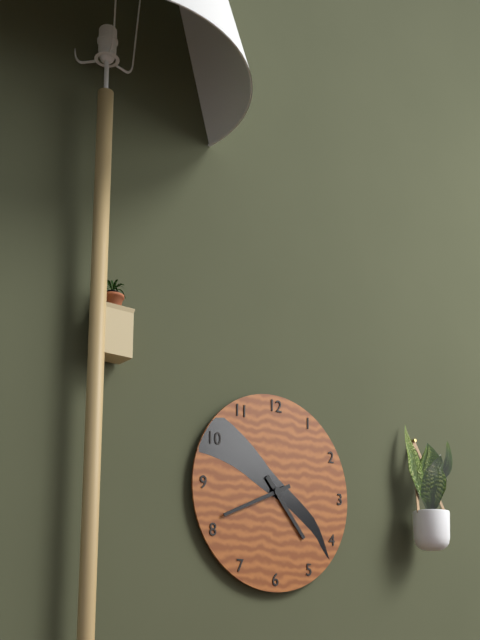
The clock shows 4:41
